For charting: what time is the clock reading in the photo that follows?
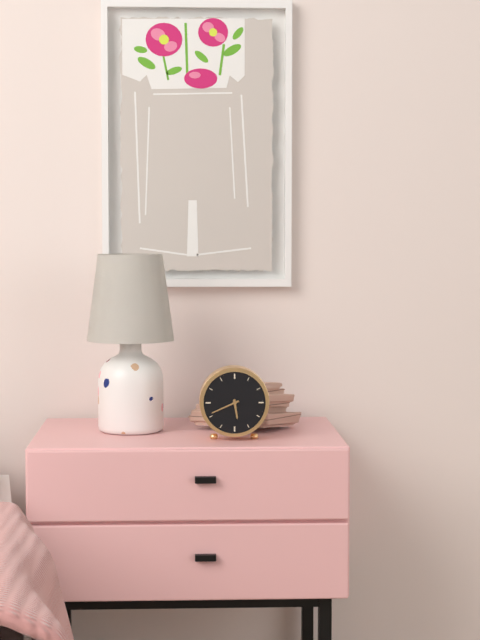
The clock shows 5:41
